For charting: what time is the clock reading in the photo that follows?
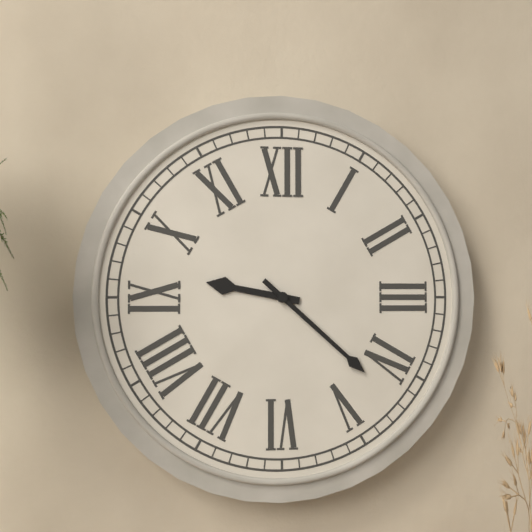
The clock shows 9:22
